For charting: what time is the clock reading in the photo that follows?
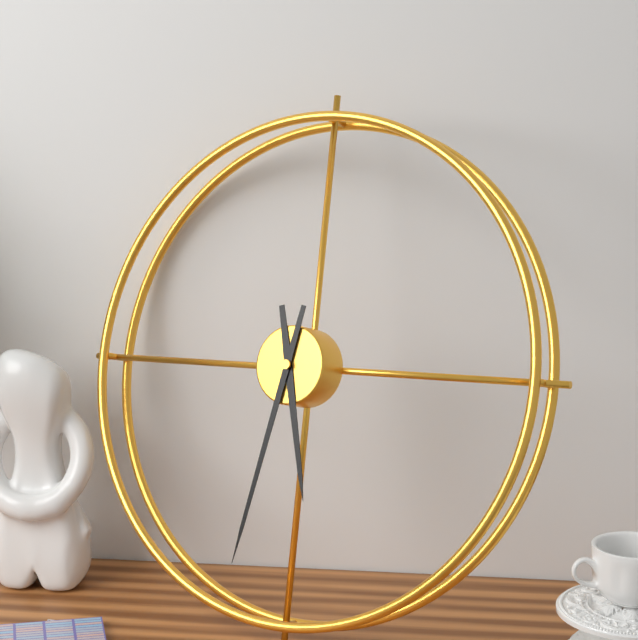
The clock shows 5:32
